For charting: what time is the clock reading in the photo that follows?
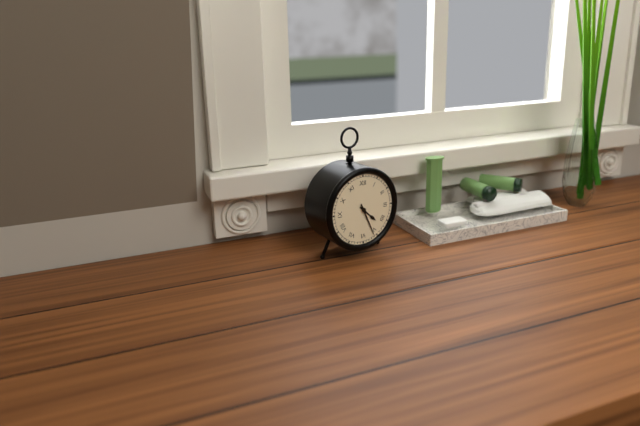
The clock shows 4:26
